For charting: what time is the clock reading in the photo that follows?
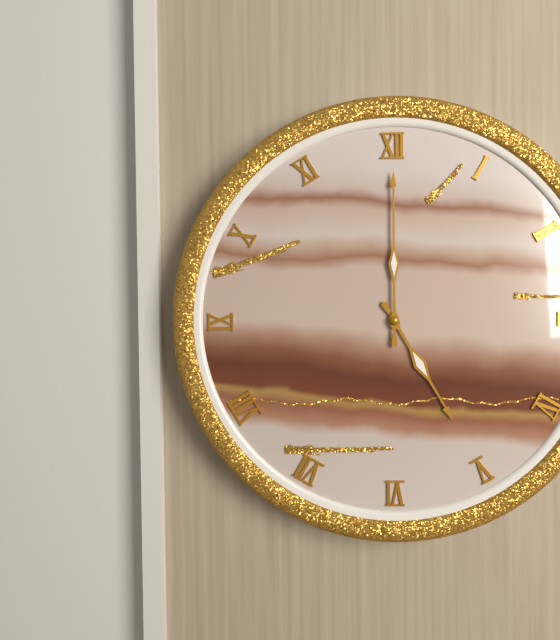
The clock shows 5:00
